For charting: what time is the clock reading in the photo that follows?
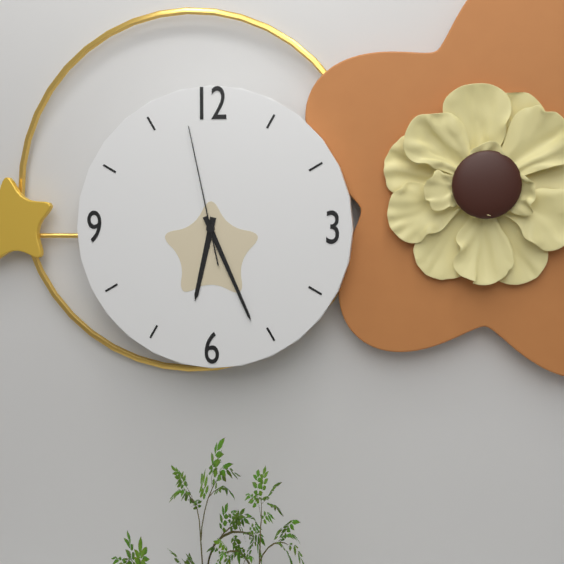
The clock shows 6:26:58
